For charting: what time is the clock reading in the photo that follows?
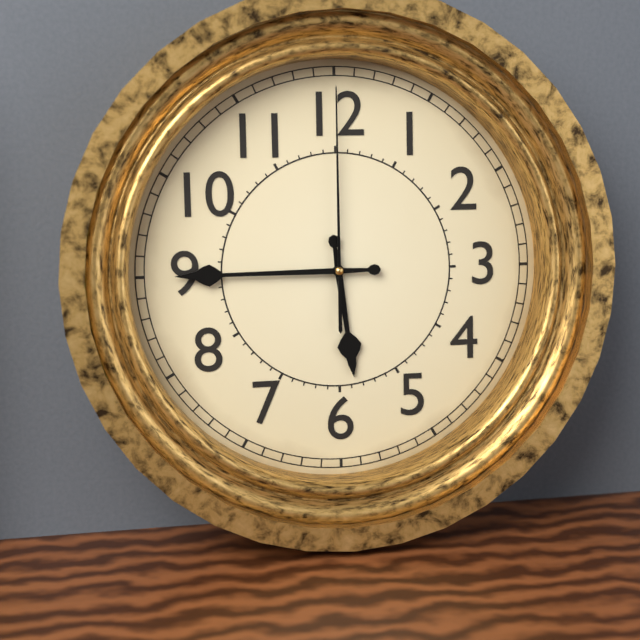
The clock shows 5:45:00
